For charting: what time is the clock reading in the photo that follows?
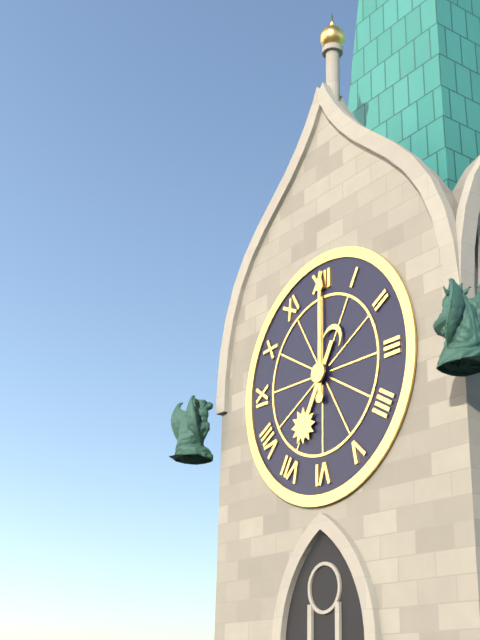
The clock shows 7:00
